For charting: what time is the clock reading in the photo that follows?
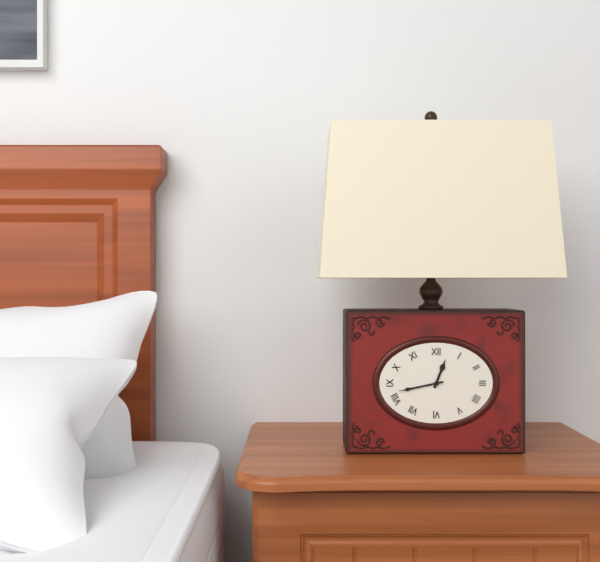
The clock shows 12:43
